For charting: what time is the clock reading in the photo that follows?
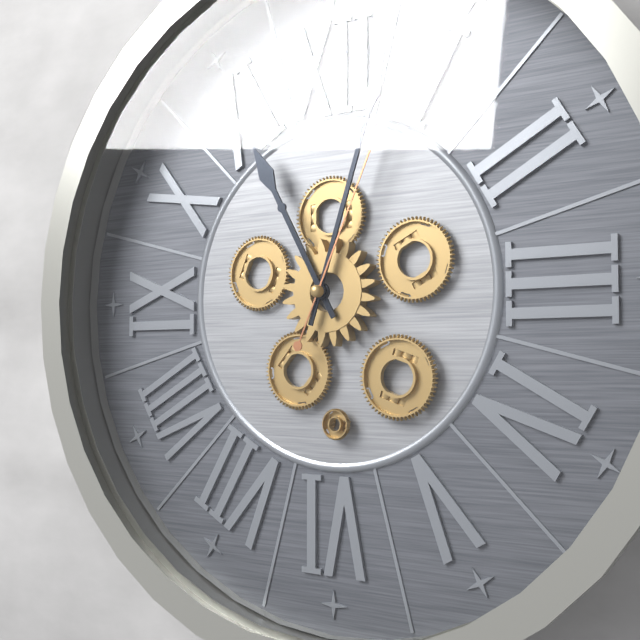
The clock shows 11:03:04
